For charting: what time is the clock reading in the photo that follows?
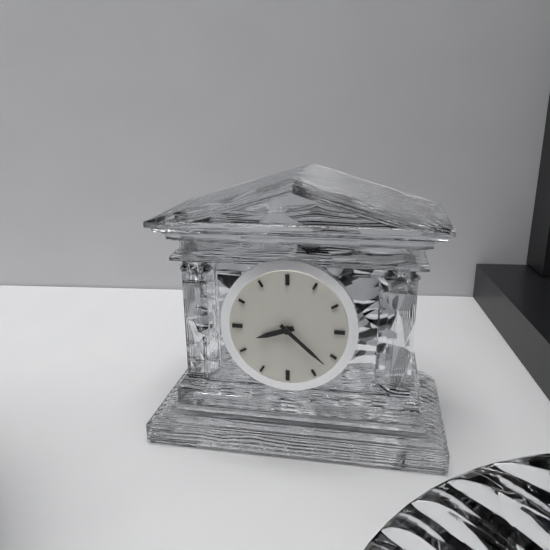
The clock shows 8:22
